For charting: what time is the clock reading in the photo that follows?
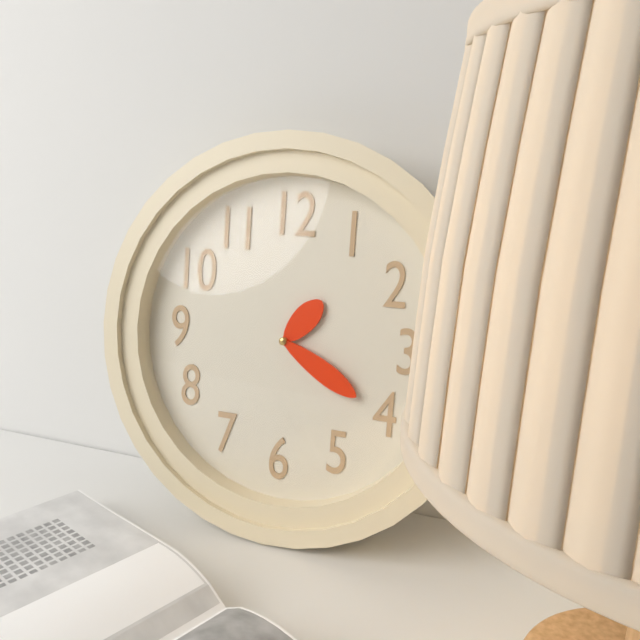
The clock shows 1:20
